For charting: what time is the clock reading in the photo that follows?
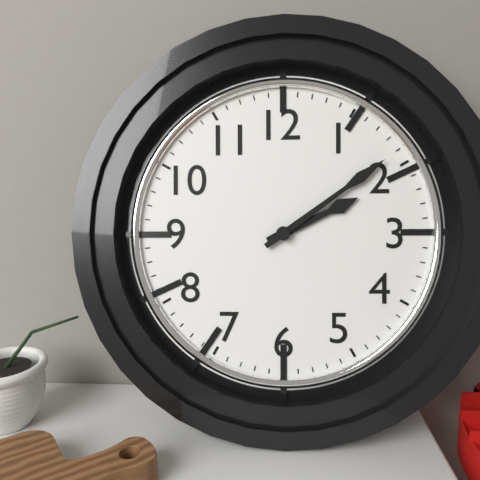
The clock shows 2:09
